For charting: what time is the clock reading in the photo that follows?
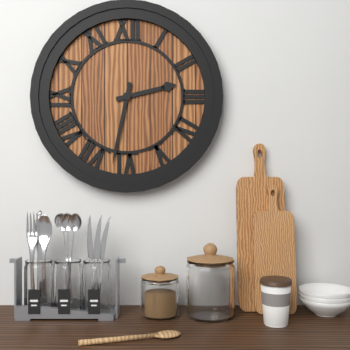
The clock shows 2:32
